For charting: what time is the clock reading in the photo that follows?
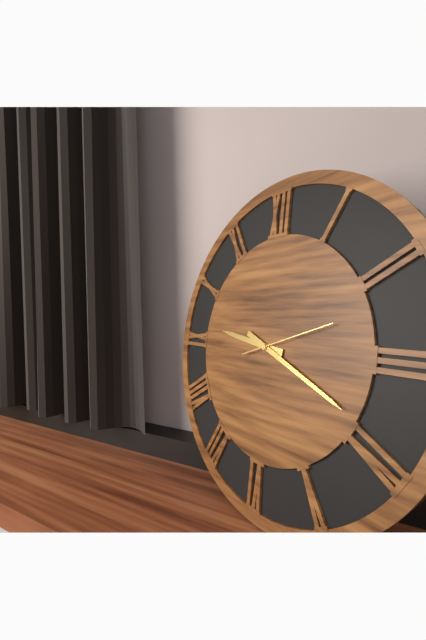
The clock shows 9:19:12
